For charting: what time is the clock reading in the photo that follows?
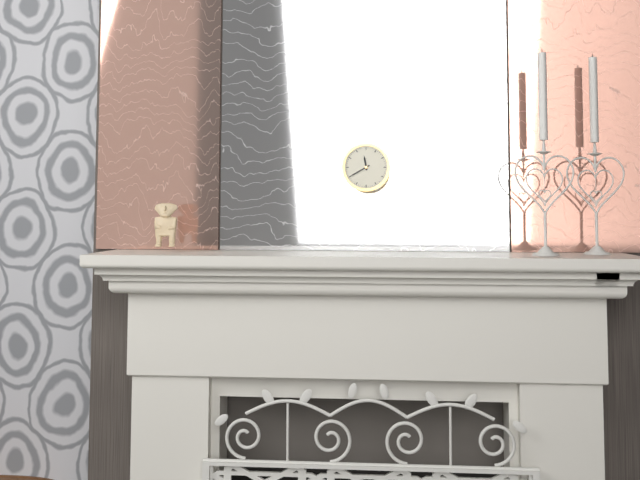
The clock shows 11:40
